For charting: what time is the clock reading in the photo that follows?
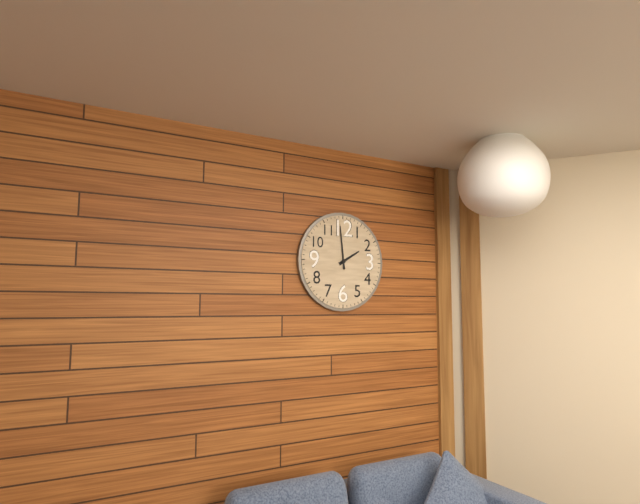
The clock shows 1:59
